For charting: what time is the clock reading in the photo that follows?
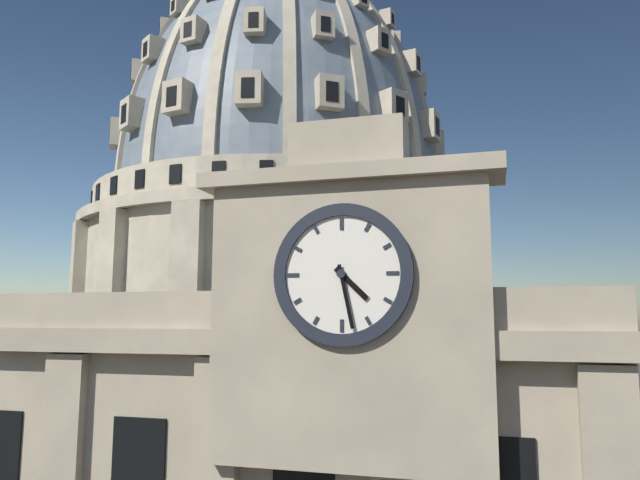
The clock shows 4:28
